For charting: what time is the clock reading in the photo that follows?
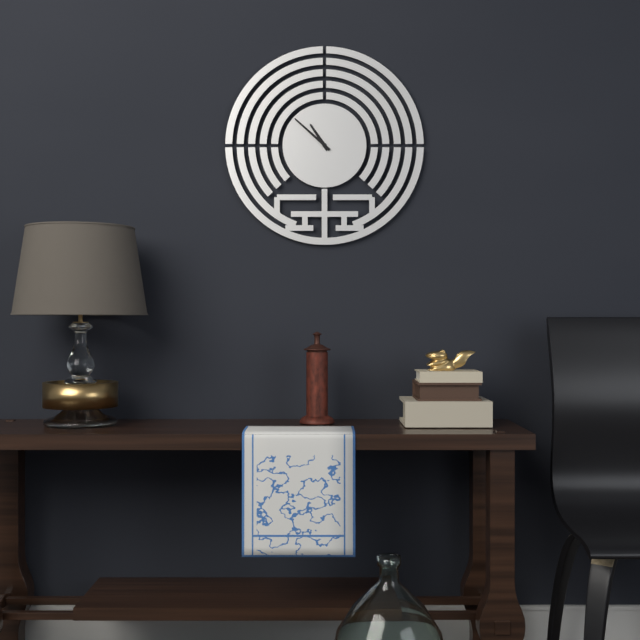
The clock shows 10:52
